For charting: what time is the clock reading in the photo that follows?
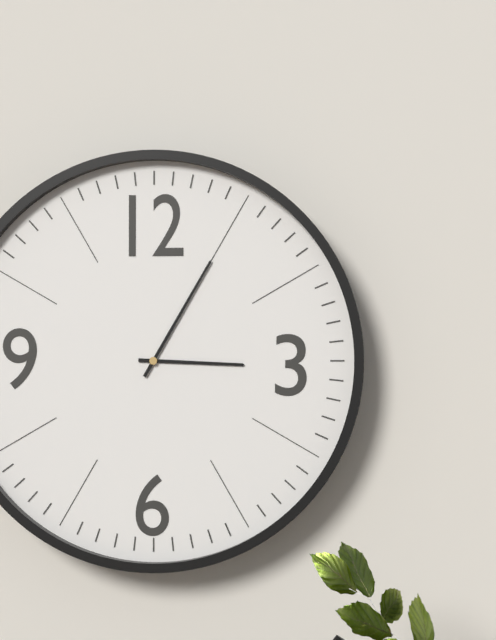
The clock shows 3:05
